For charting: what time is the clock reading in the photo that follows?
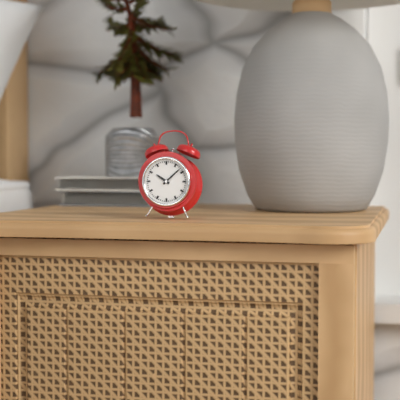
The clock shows 10:08
